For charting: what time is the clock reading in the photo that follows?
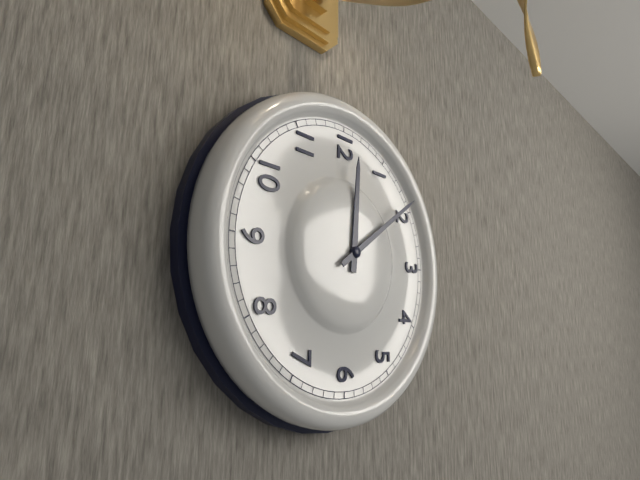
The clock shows 12:09
